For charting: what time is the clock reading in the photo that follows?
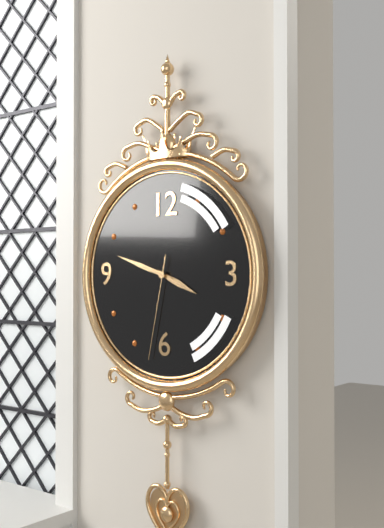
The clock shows 3:48:32
